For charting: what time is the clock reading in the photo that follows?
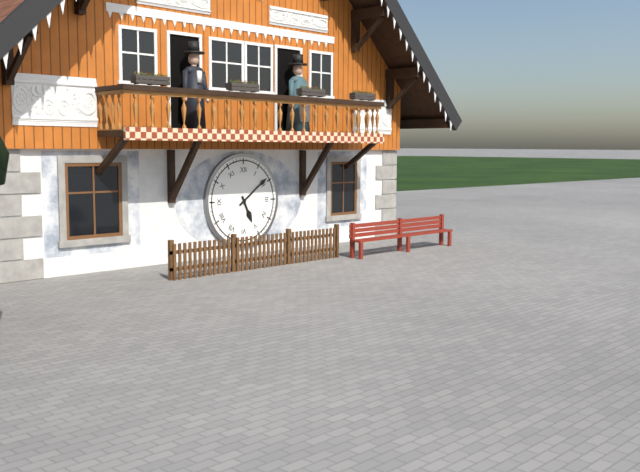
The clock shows 5:09
